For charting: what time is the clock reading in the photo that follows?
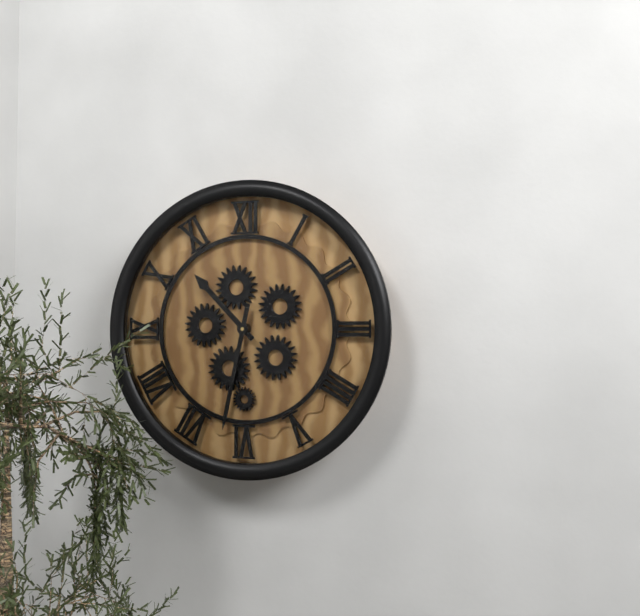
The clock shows 10:32
